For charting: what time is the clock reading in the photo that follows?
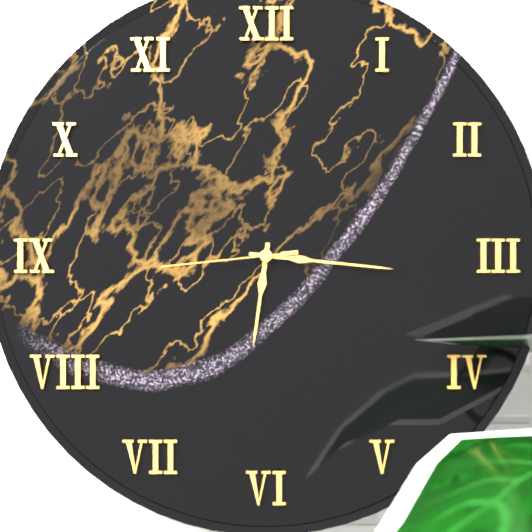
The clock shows 6:16:44
